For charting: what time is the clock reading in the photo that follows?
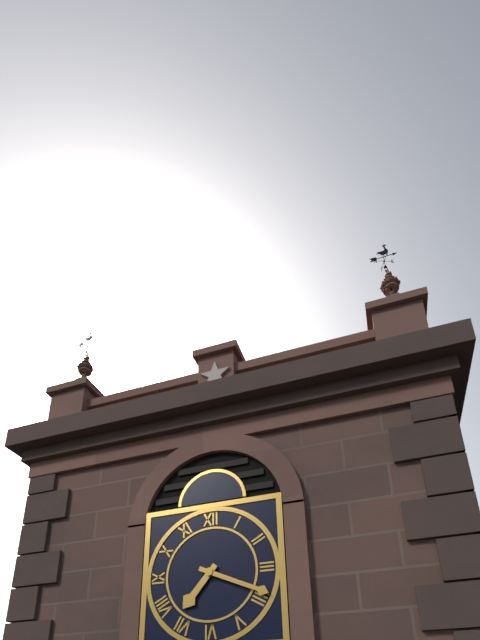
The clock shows 7:19
